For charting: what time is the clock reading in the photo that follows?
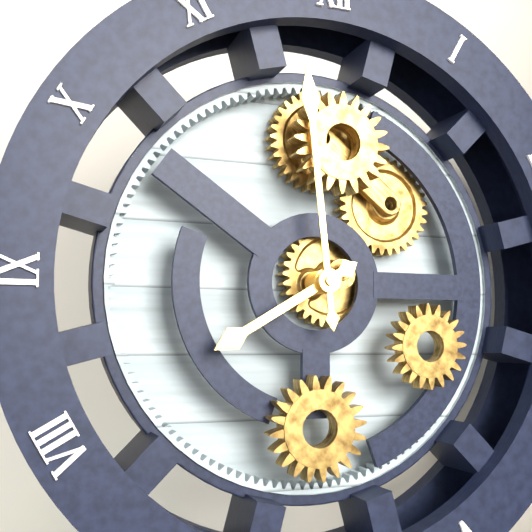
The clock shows 7:59
